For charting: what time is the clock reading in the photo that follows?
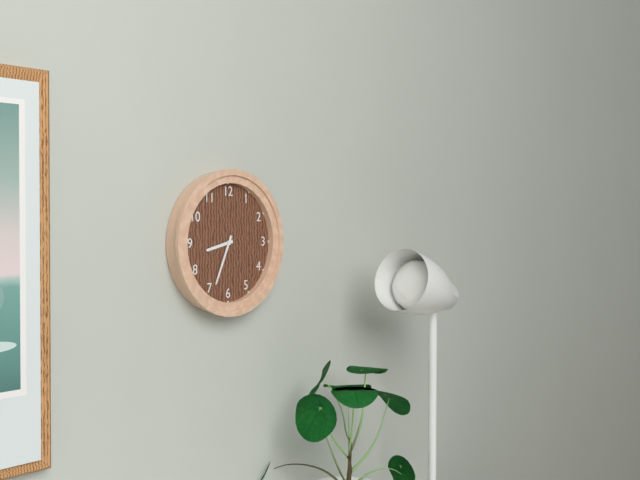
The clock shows 8:34
